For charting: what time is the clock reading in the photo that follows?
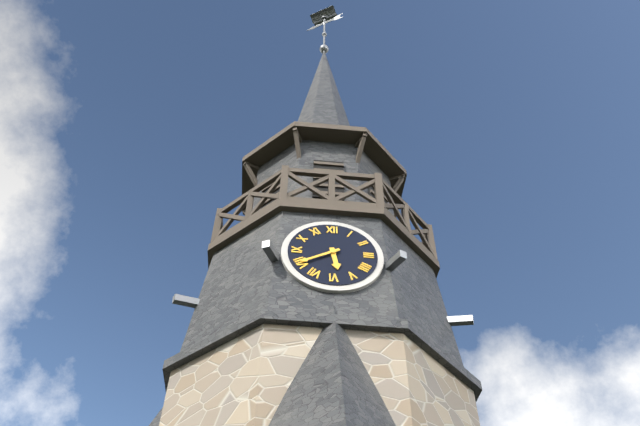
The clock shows 5:40
